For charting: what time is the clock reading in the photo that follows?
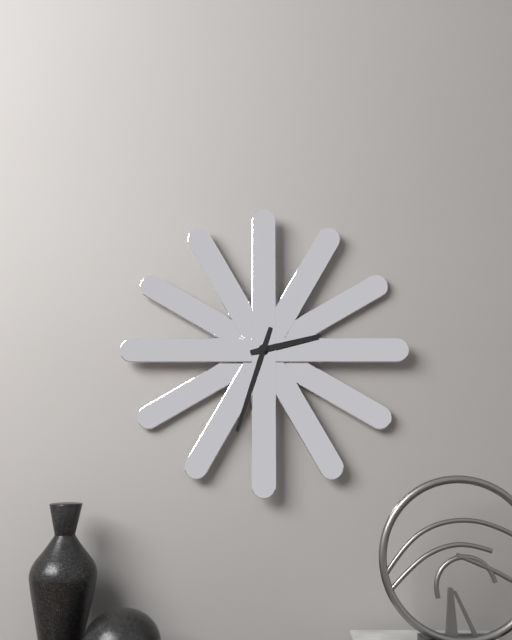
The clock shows 2:33
